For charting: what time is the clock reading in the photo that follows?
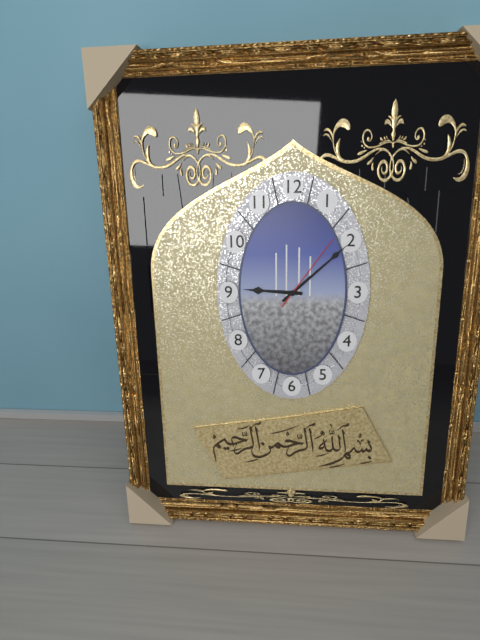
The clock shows 9:08:06
